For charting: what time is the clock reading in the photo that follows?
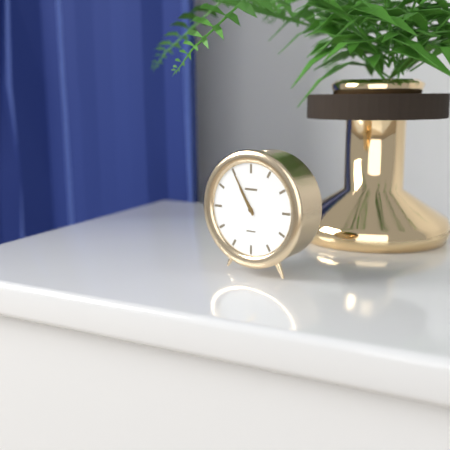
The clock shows 10:55
